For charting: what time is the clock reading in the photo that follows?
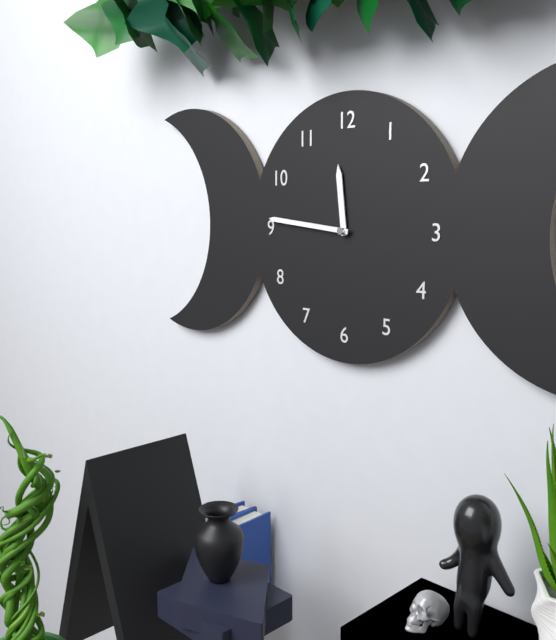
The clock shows 11:46
